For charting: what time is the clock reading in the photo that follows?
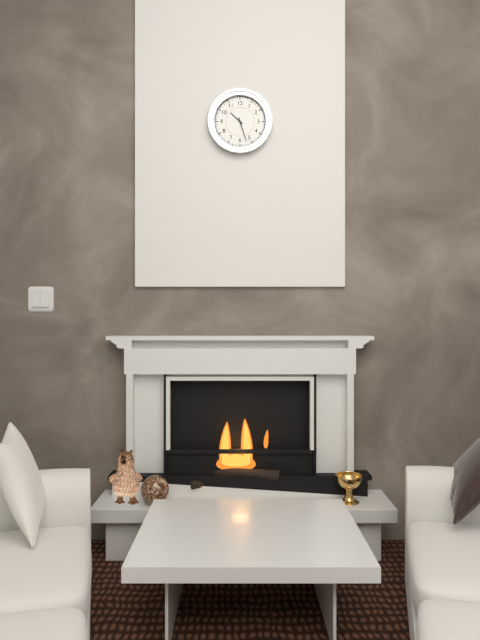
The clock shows 10:27
